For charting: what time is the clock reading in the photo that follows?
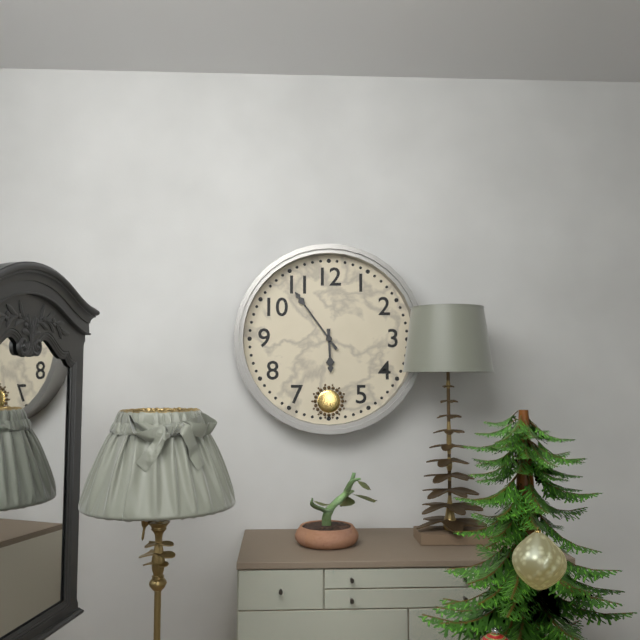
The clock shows 5:54
